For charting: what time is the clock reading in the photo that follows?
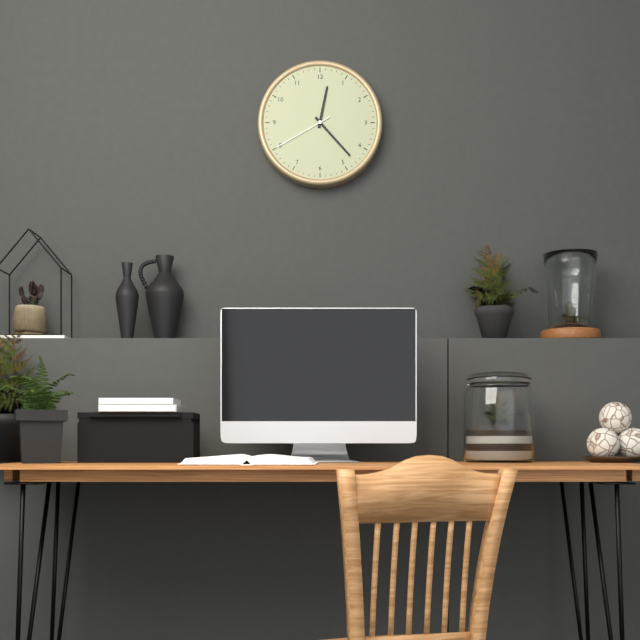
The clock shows 12:23:40
